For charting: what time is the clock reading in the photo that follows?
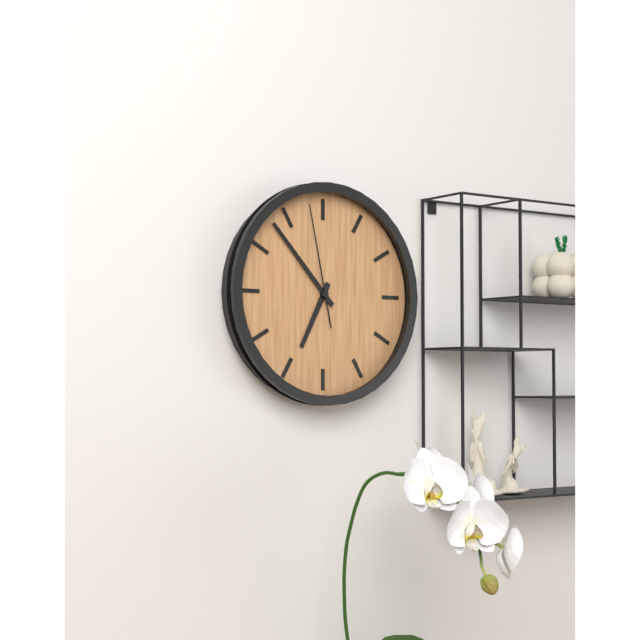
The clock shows 6:53:58
